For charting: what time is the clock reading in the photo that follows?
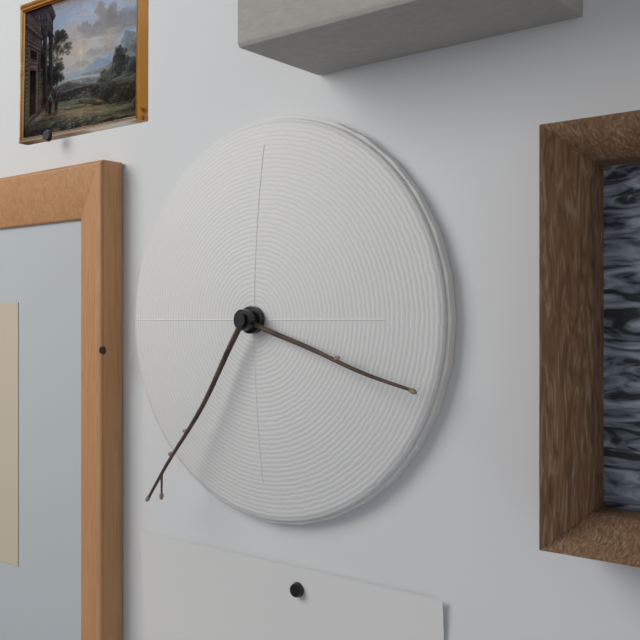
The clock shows 3:36
